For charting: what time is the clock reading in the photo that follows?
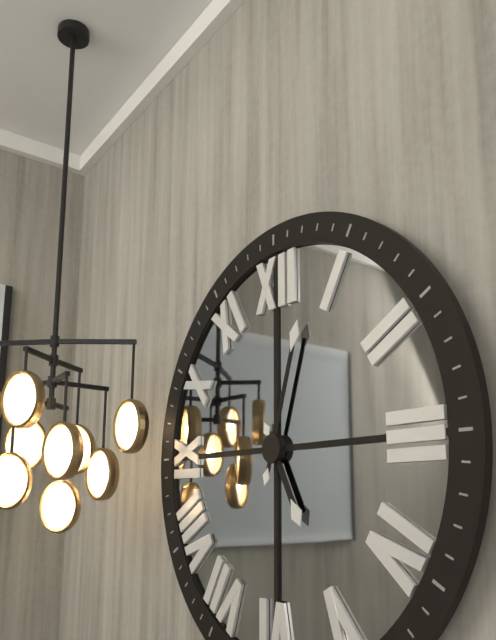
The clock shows 5:03
